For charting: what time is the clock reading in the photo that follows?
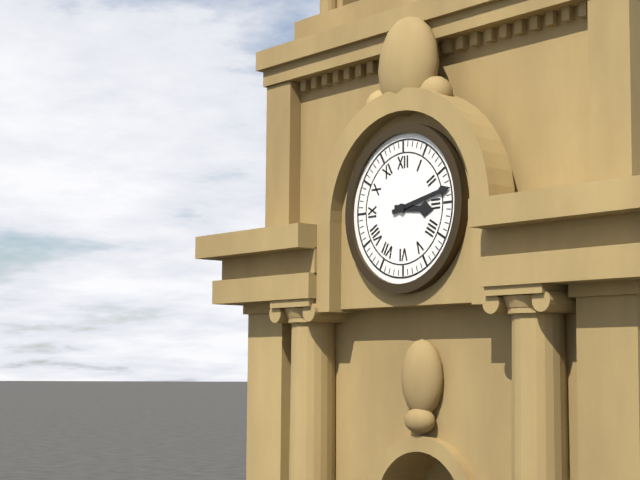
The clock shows 3:13
